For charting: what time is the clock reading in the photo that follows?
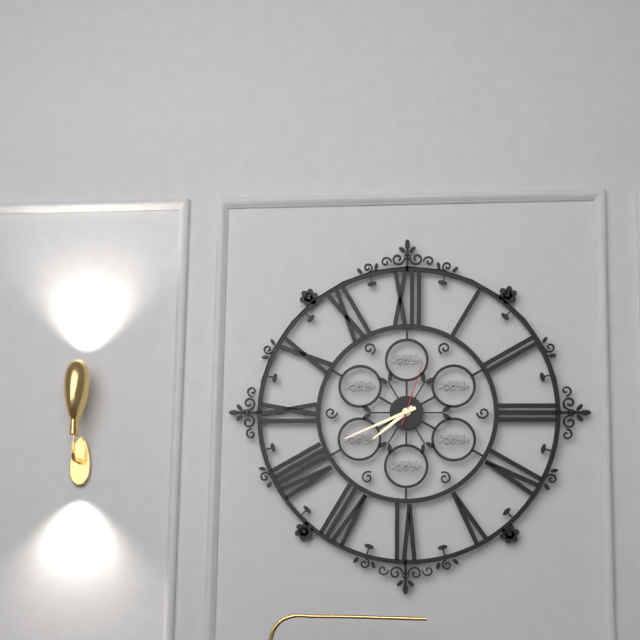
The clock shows 7:41:03
